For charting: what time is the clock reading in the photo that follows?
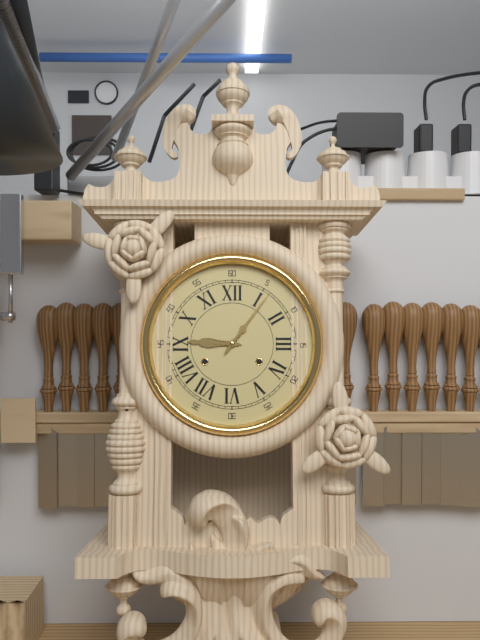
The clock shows 9:06
